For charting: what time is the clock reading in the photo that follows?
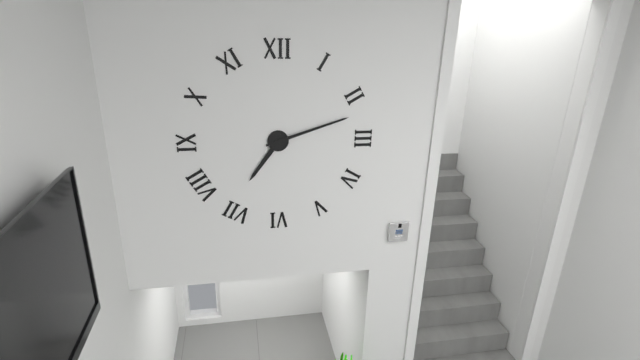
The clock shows 7:12
